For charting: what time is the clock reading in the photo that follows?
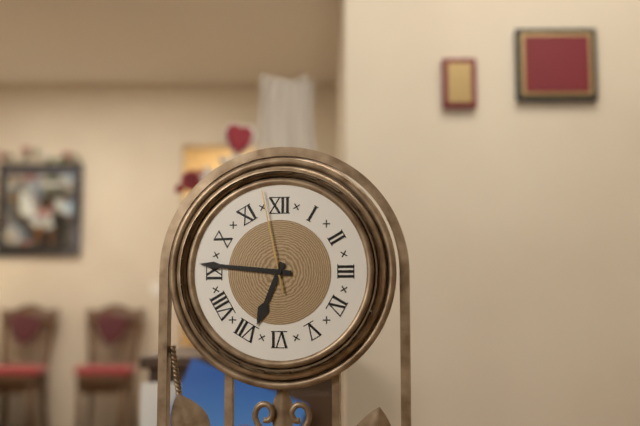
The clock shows 6:46:58
